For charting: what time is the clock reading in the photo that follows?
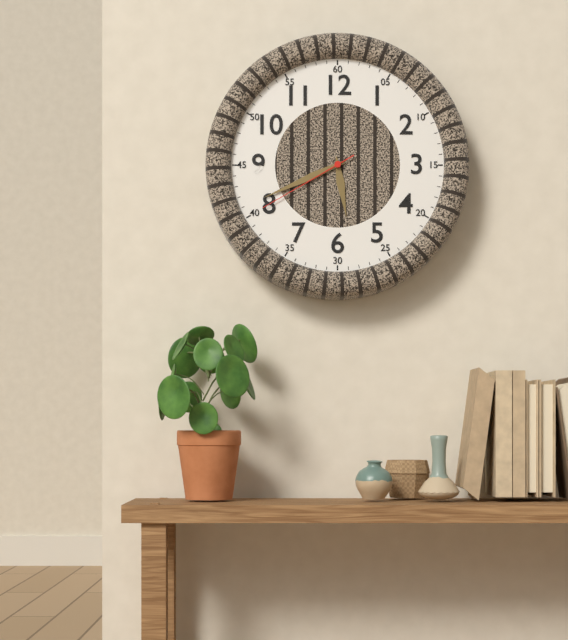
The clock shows 5:41:40
